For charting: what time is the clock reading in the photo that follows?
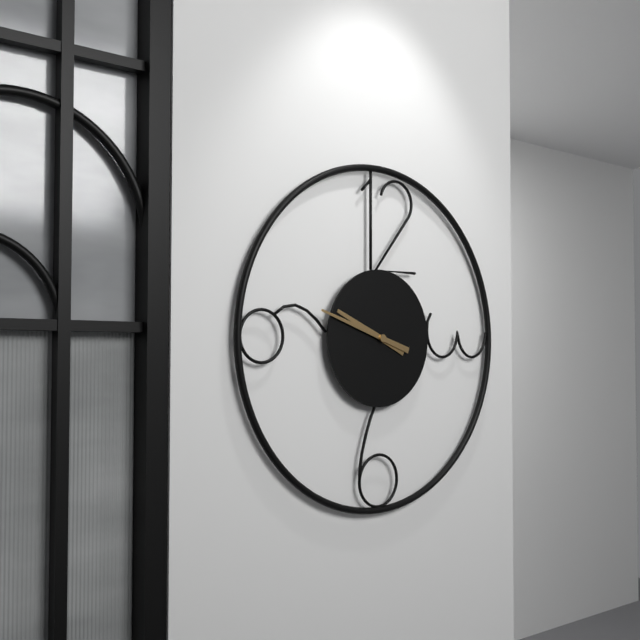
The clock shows 9:48
